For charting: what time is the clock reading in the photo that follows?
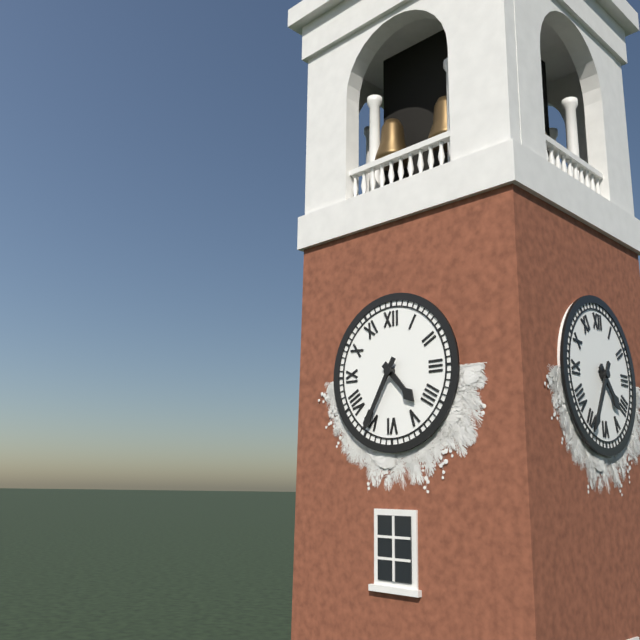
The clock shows 4:35
